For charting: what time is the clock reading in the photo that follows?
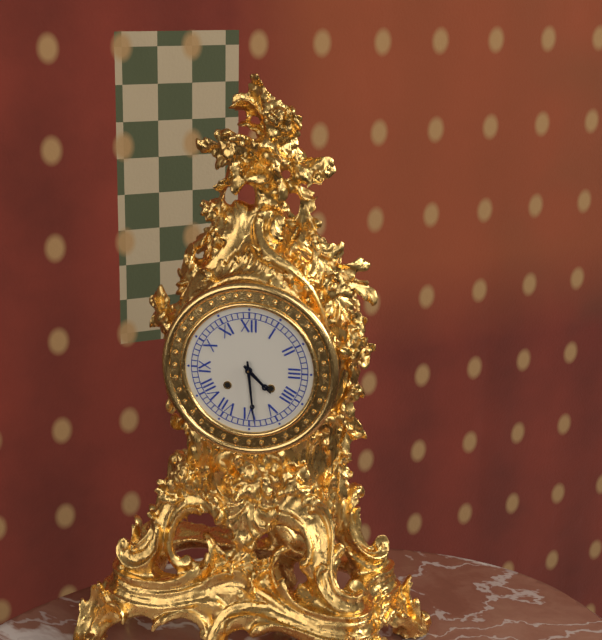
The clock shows 4:29
